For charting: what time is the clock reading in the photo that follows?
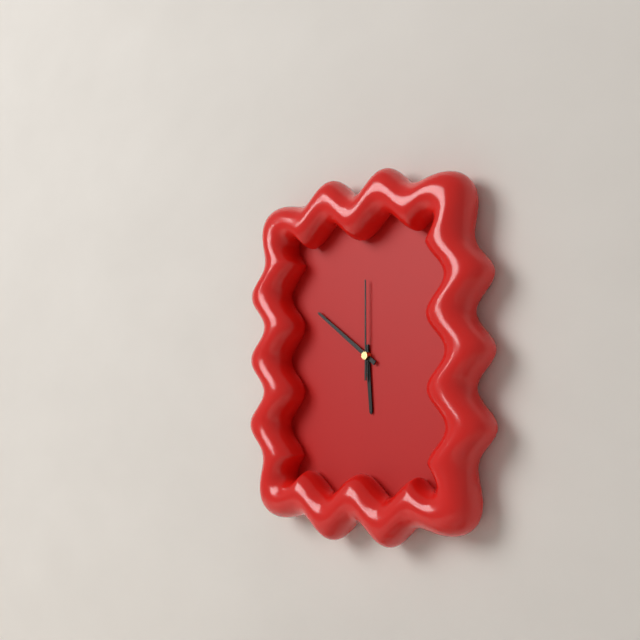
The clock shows 5:51:00
